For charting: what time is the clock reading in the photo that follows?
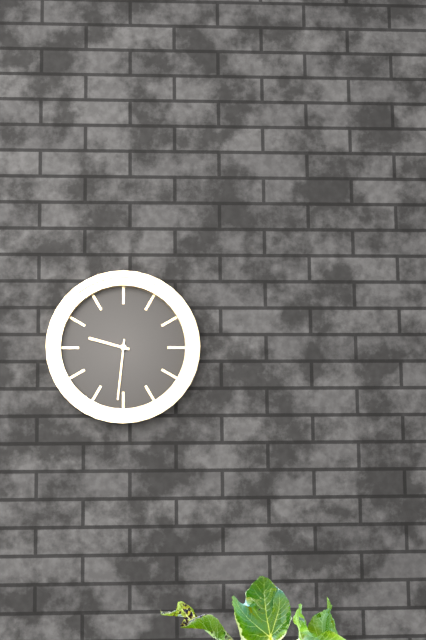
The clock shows 9:31
